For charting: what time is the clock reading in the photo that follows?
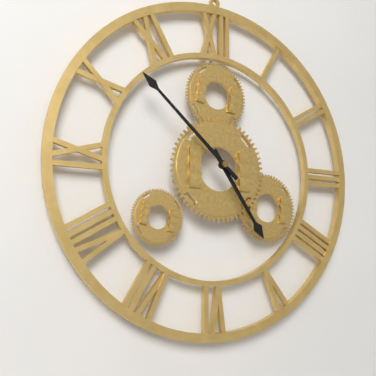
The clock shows 4:52
